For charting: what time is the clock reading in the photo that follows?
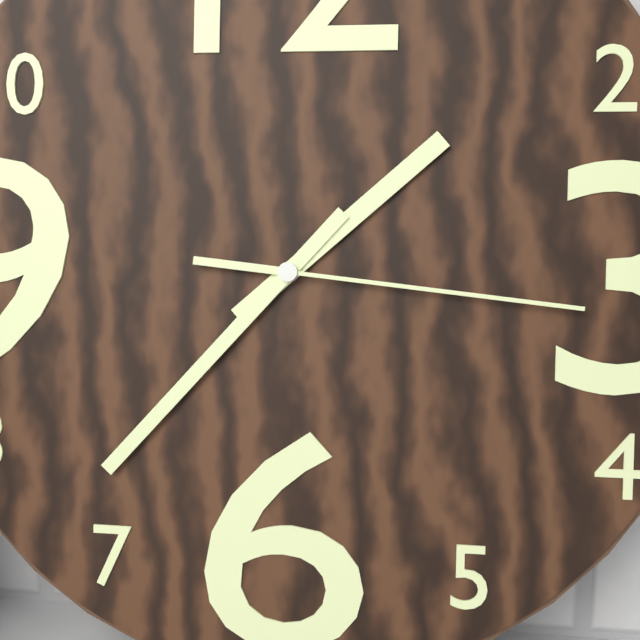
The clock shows 1:37:16
